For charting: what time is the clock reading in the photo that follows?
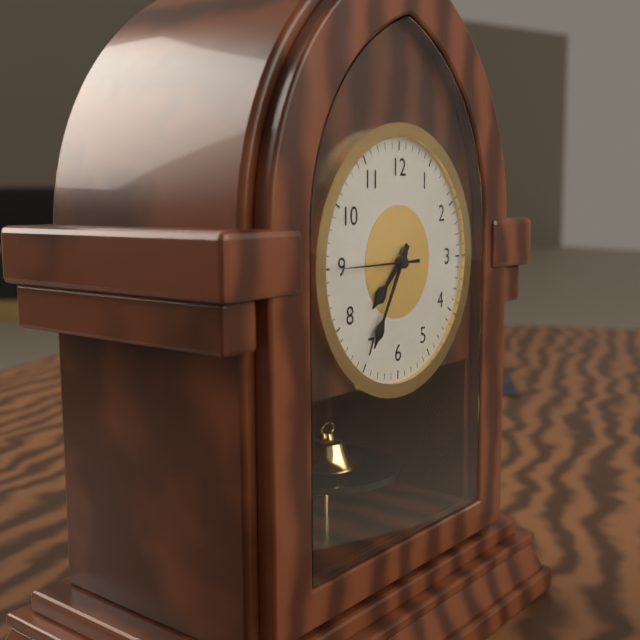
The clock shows 7:35:45
